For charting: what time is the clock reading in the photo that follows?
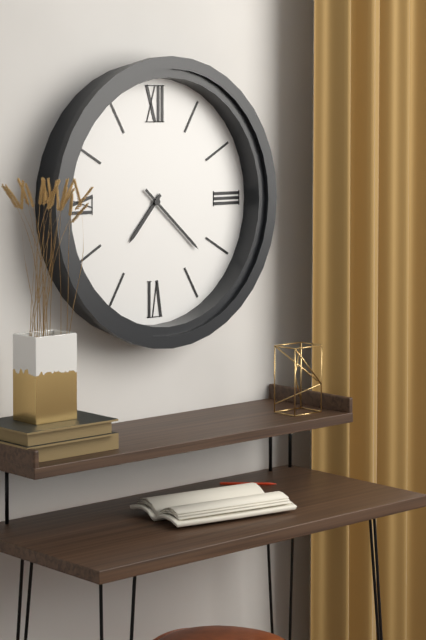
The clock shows 7:22
